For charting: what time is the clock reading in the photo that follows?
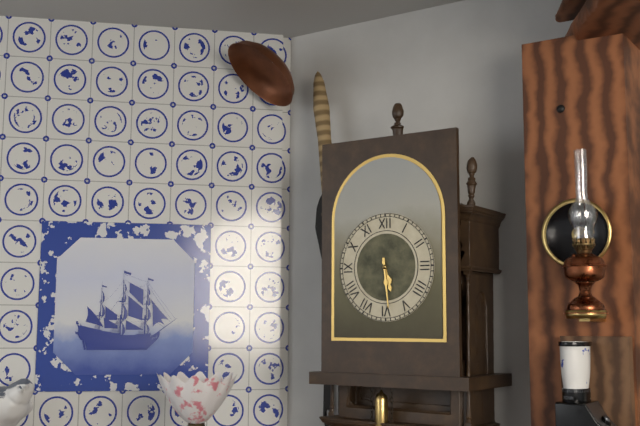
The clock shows 5:29
